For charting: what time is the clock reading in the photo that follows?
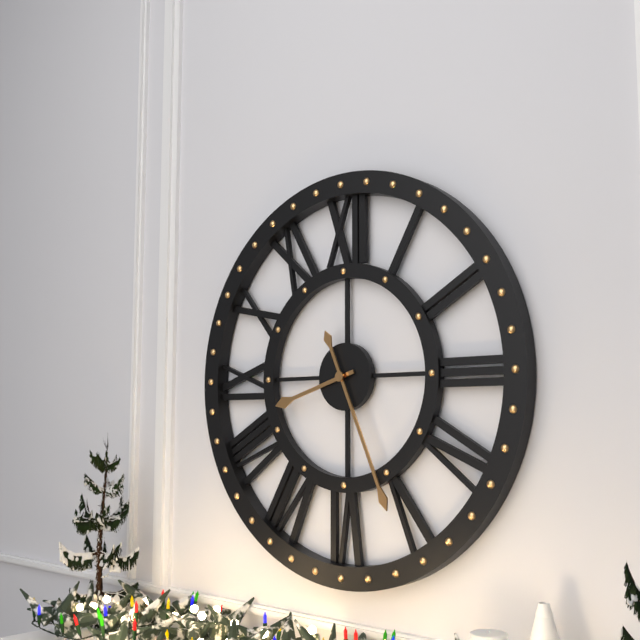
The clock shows 8:26
